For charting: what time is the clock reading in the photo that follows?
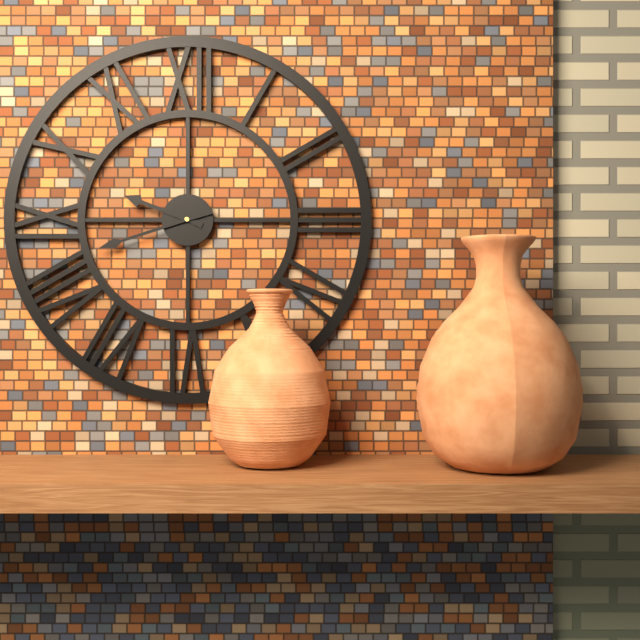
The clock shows 9:42
